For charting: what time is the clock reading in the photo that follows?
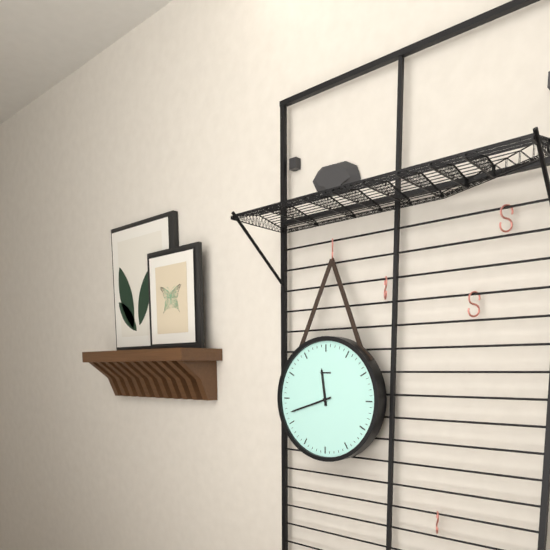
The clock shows 11:42
